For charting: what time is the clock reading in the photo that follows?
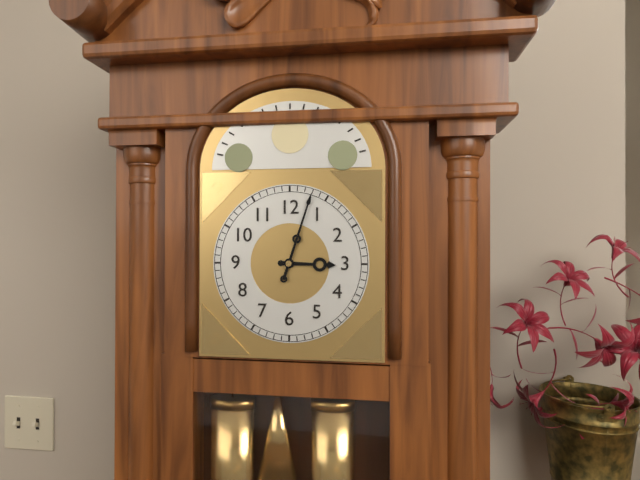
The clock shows 3:03
